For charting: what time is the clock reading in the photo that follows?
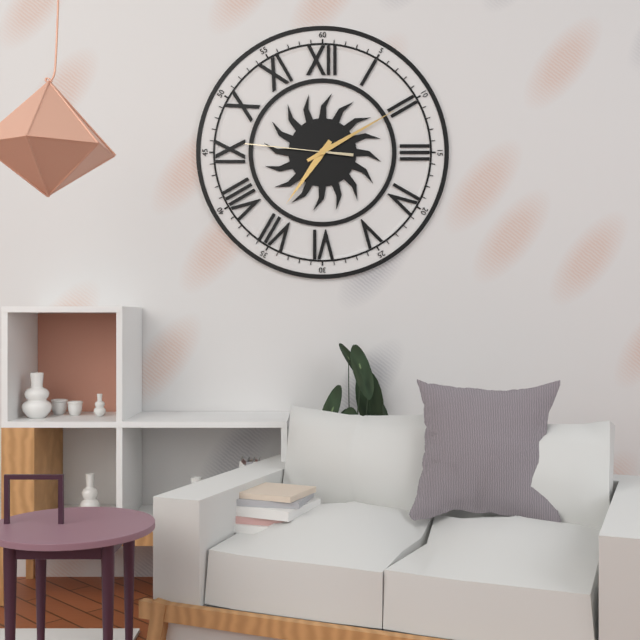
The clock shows 7:10:46
